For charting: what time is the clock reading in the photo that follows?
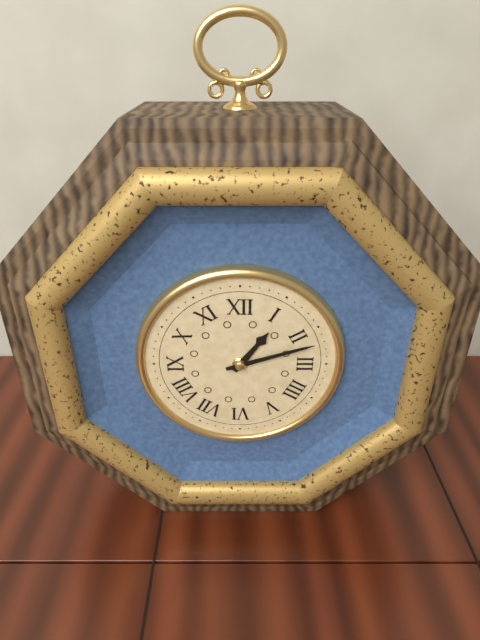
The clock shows 1:12
